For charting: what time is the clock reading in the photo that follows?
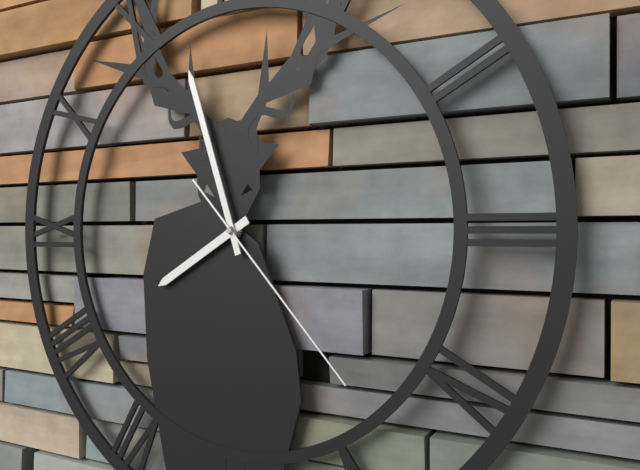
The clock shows 7:57:23
